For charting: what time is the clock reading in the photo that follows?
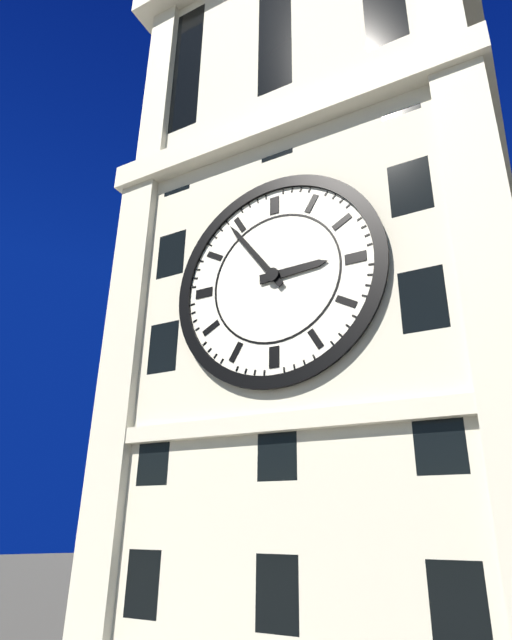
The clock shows 2:54
